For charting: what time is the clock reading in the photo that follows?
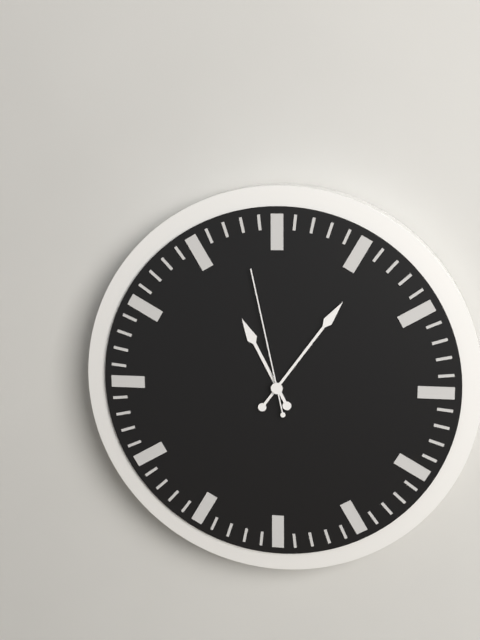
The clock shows 11:06:58
